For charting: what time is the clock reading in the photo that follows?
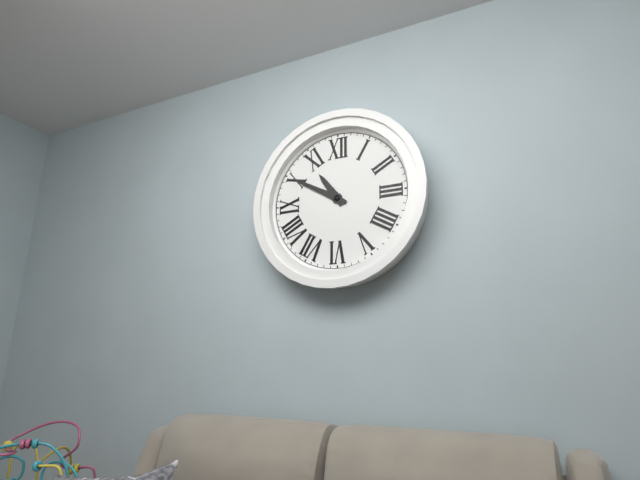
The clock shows 10:50
